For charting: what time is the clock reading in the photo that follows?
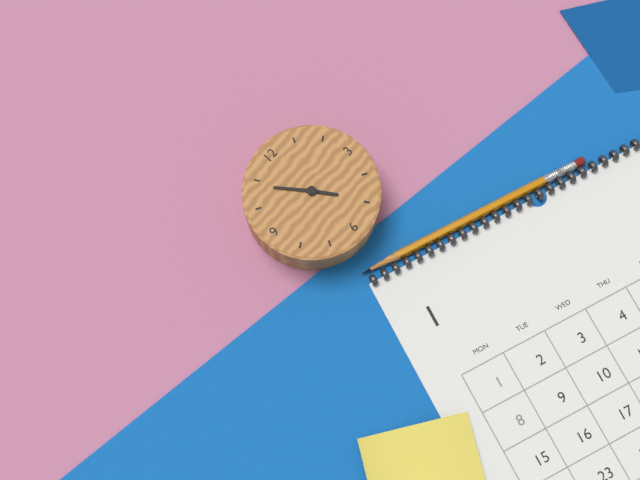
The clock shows 4:54
